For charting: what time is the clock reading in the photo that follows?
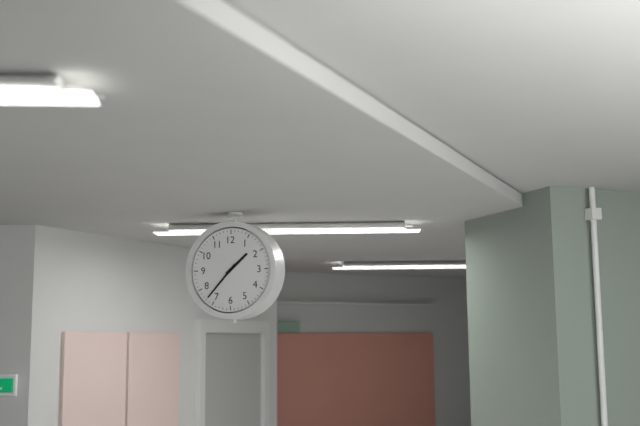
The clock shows 1:37
